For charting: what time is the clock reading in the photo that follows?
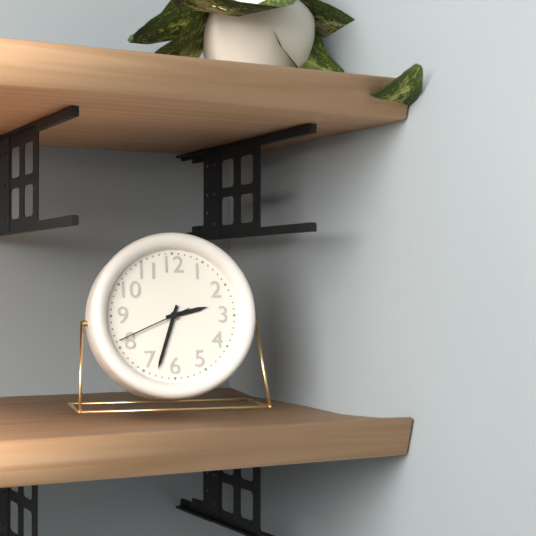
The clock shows 2:33:41
